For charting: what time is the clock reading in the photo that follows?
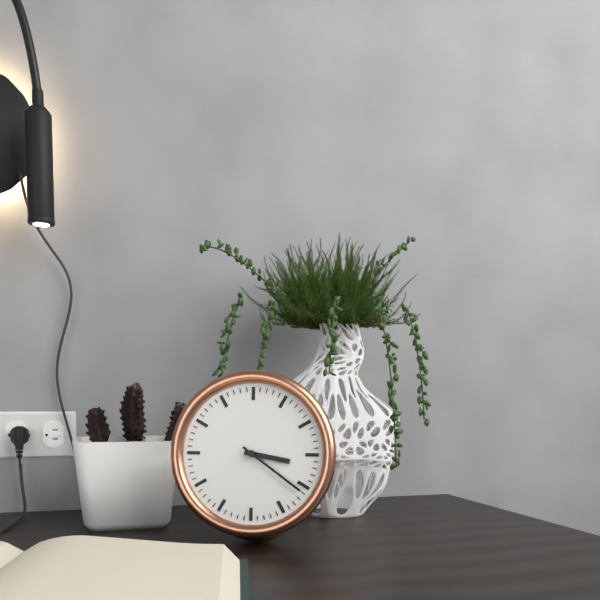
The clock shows 3:21
